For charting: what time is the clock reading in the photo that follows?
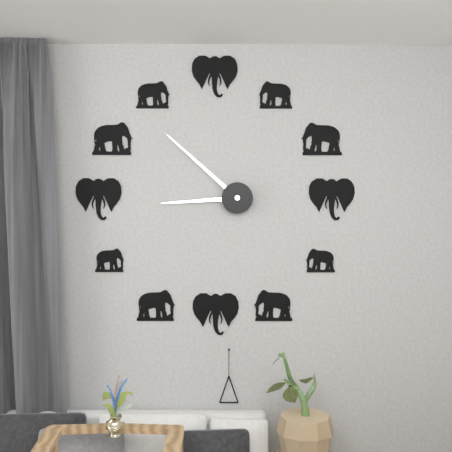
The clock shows 8:52
